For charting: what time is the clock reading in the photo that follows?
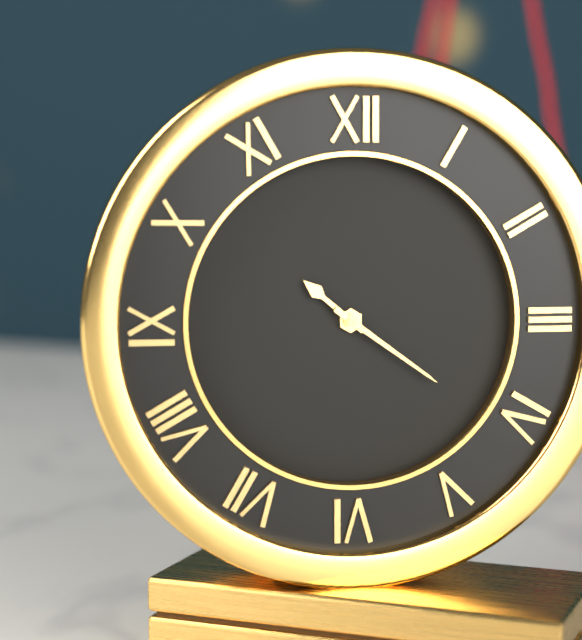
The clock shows 10:21
